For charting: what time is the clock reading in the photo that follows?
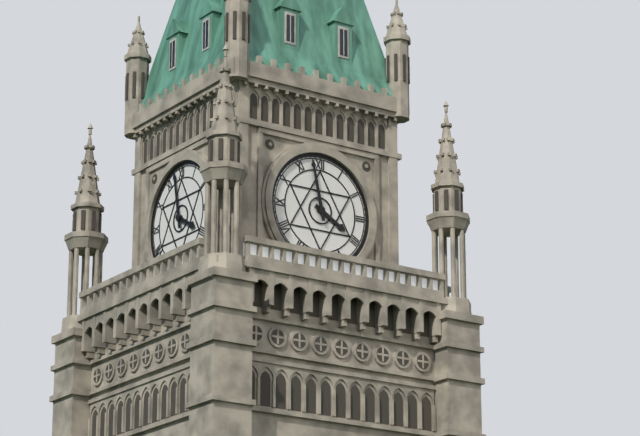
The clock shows 3:58
